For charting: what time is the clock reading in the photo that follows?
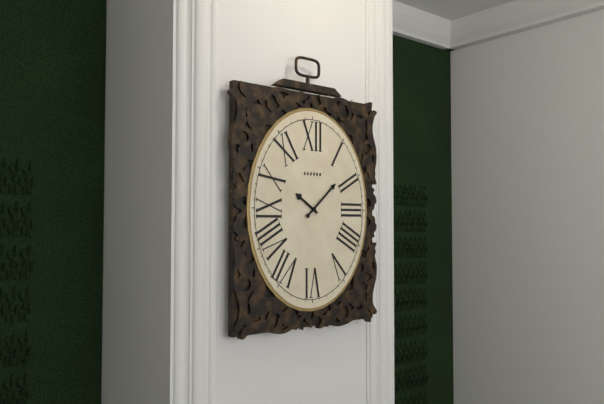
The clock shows 10:08
